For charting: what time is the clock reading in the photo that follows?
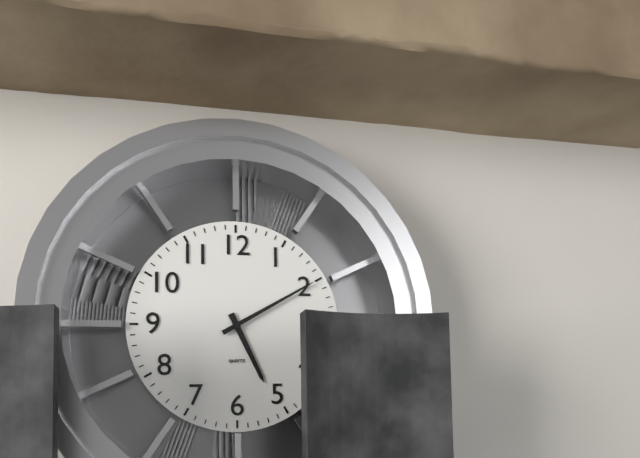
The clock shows 5:10
